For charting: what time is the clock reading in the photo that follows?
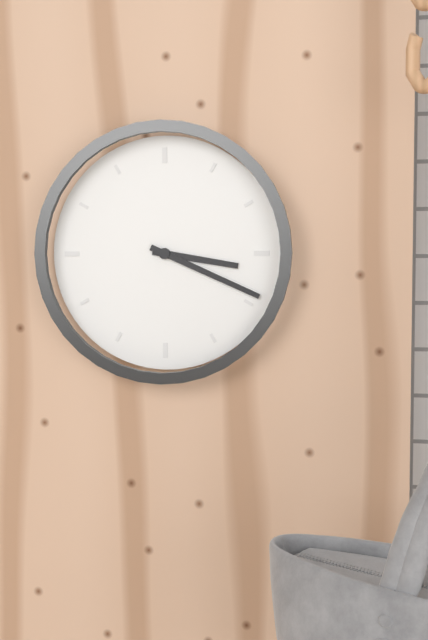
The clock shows 3:19
